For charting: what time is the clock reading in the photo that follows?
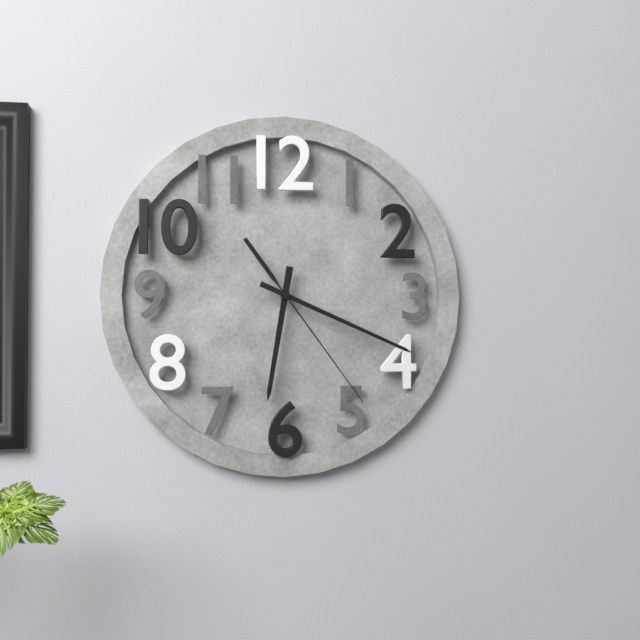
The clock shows 6:19:24
